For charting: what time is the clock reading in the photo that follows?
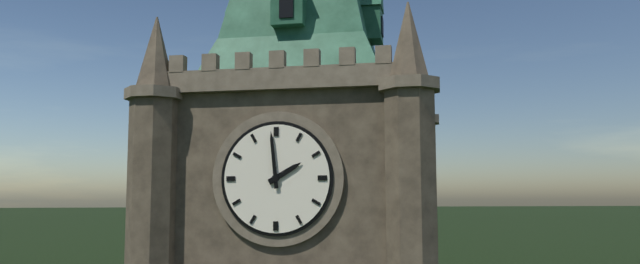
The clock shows 1:59
